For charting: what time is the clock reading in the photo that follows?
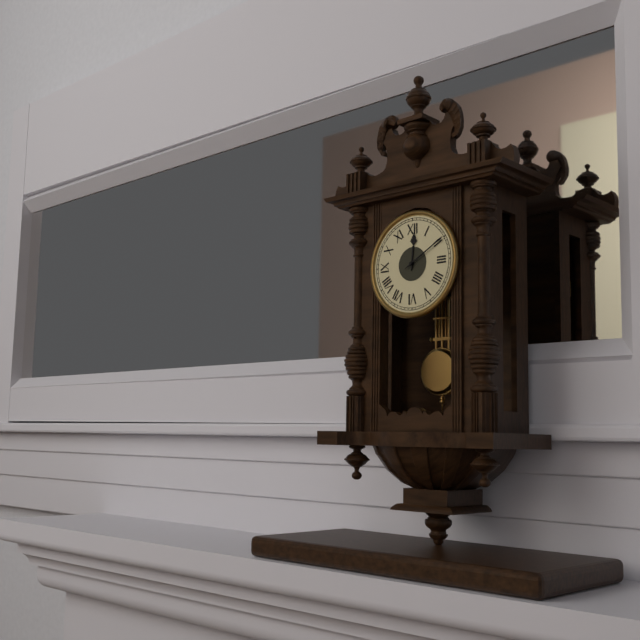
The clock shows 12:10
